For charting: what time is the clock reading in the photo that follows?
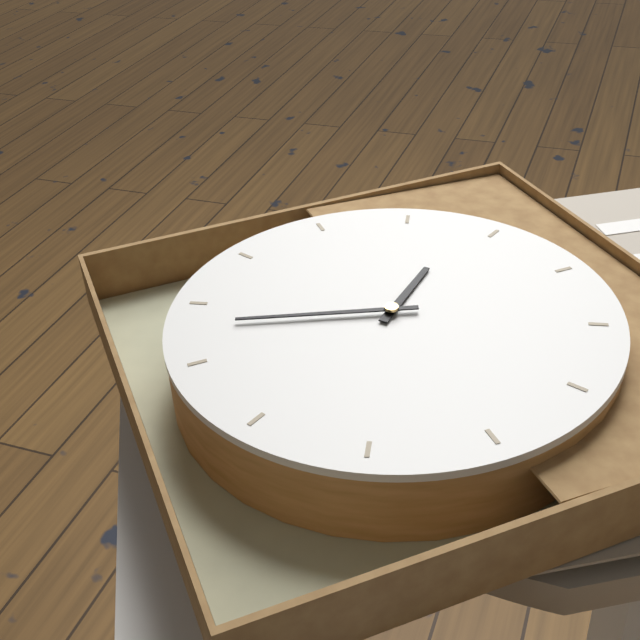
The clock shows 11:38
